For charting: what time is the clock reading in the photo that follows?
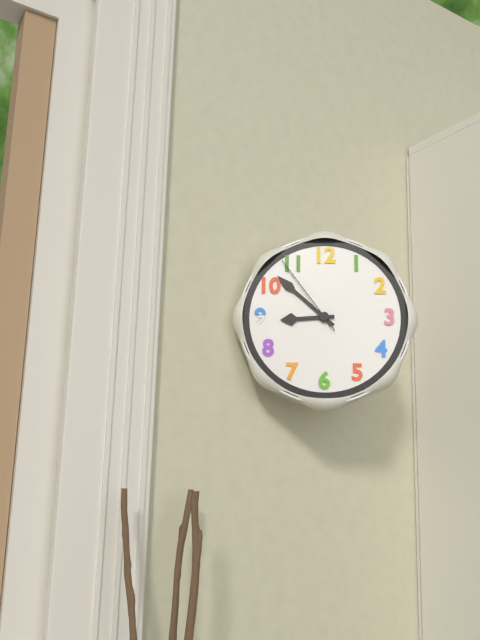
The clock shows 8:52:54
